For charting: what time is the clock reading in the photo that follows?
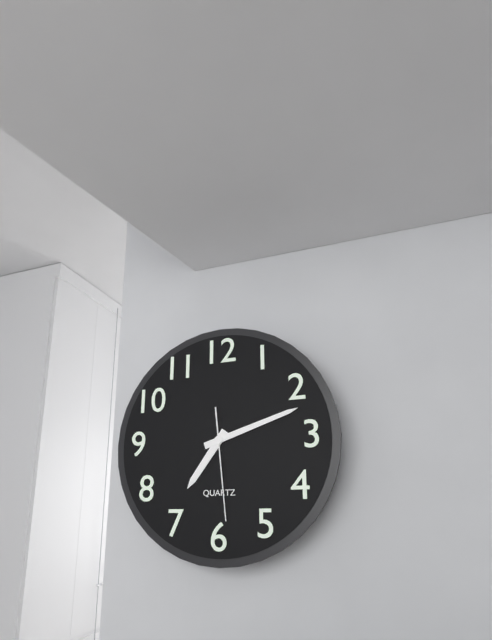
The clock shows 7:12:29
